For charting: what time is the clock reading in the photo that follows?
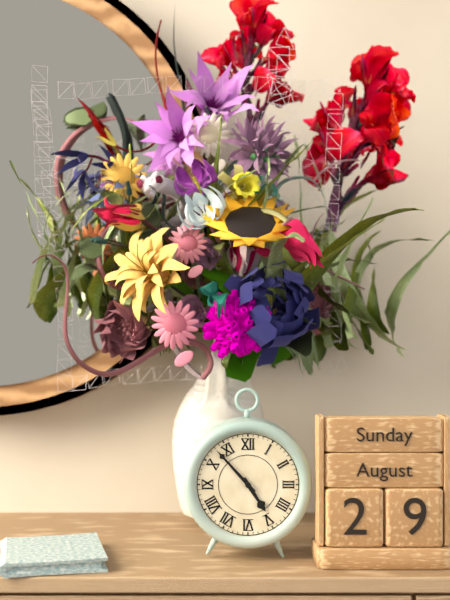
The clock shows 4:53
